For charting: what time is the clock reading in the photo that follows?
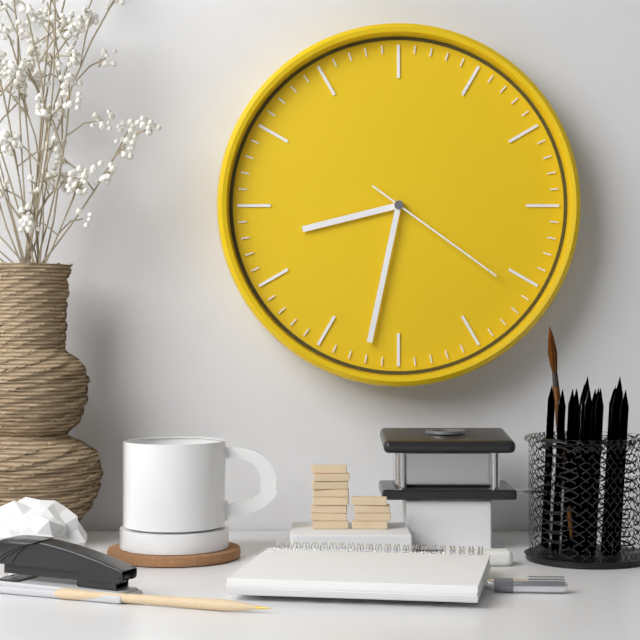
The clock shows 8:32:21
